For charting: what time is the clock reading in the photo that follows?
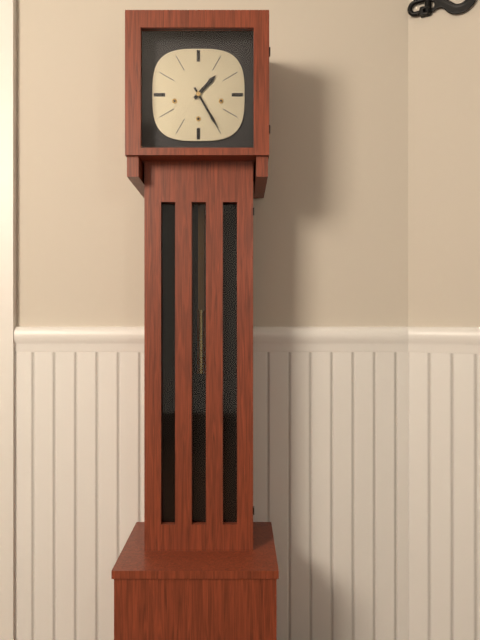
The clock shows 1:25
